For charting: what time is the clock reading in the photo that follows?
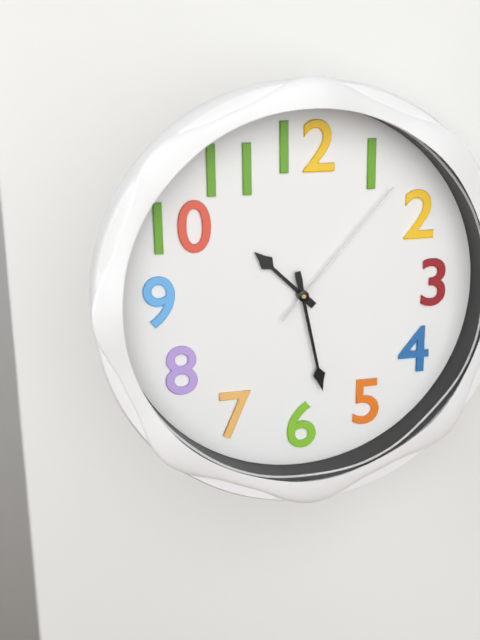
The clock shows 10:28:07
